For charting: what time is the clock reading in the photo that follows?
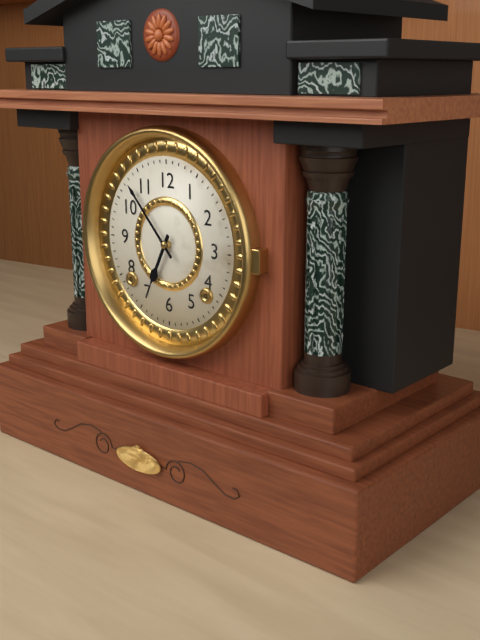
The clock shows 6:53
